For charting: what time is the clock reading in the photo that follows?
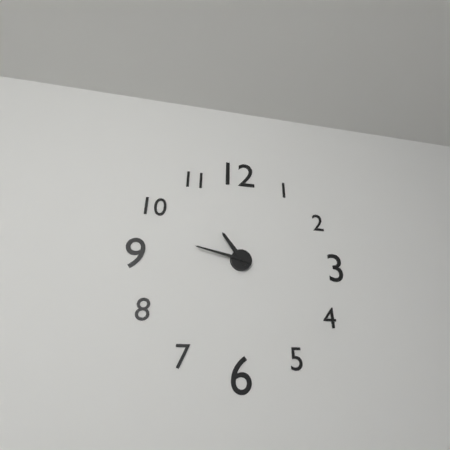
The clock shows 10:47
